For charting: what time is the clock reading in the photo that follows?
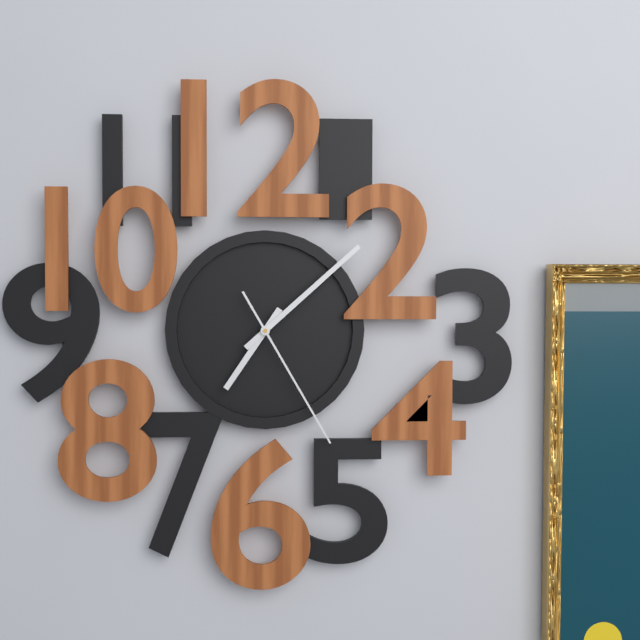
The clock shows 7:08:25
